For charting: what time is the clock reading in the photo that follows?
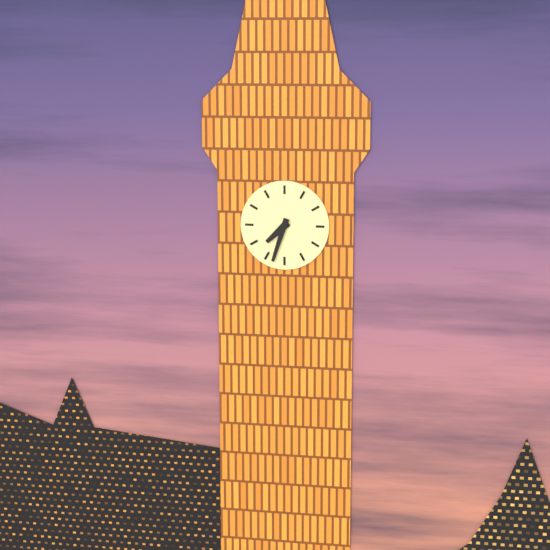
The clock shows 7:33
